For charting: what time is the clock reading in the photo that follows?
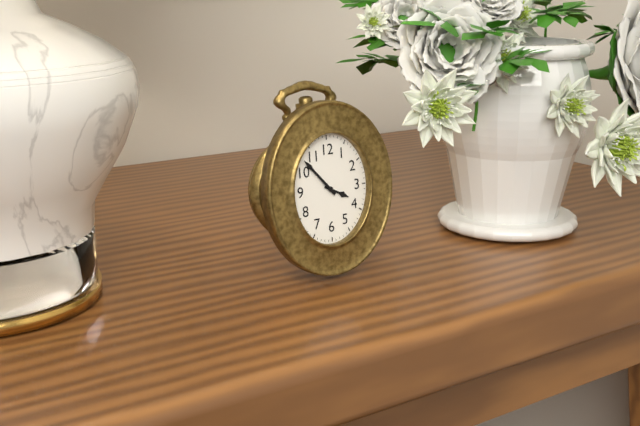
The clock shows 3:53
